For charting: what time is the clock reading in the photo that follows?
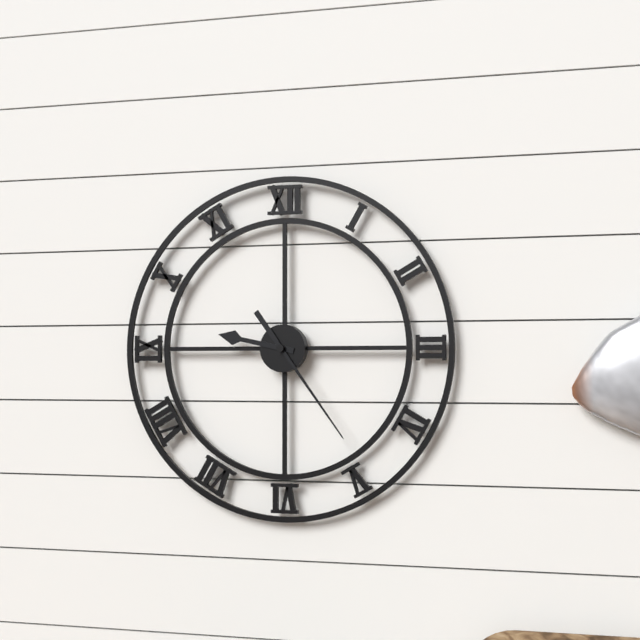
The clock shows 9:24
